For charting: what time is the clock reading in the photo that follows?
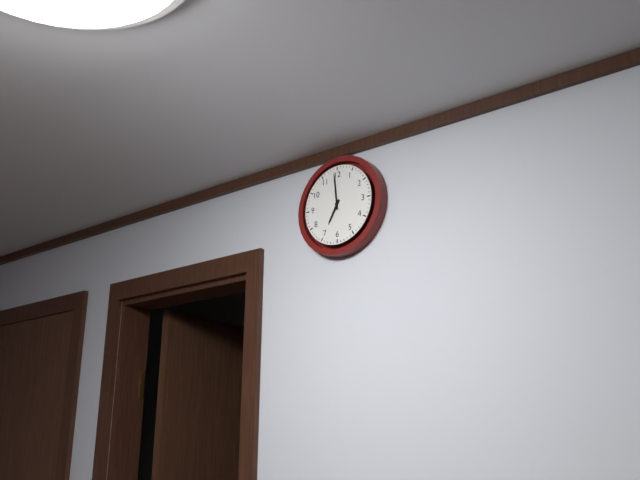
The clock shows 6:59
